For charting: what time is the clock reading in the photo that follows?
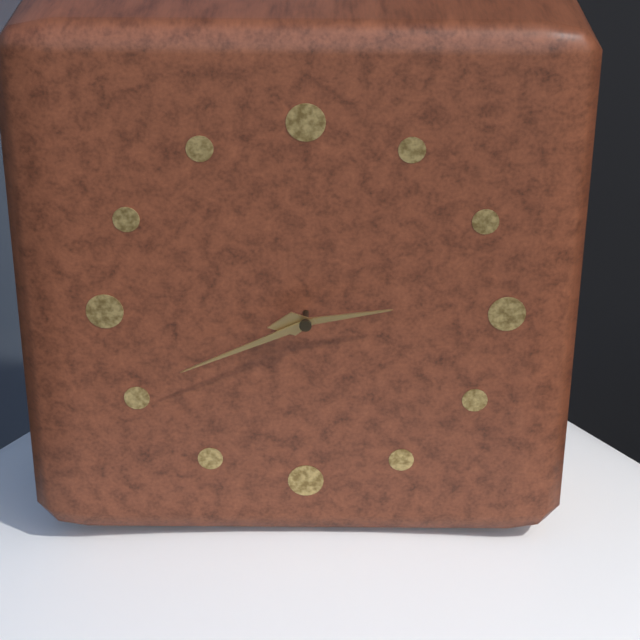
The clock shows 2:41
